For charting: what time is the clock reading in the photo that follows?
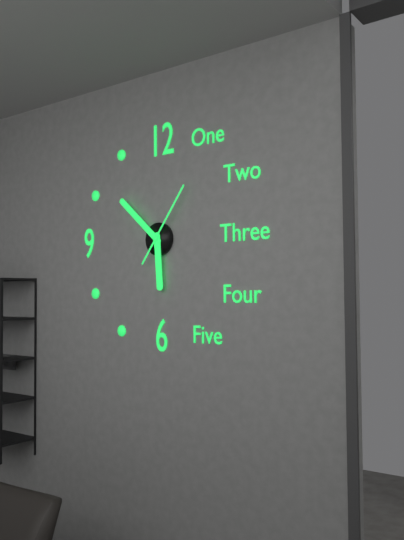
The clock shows 5:52:06
